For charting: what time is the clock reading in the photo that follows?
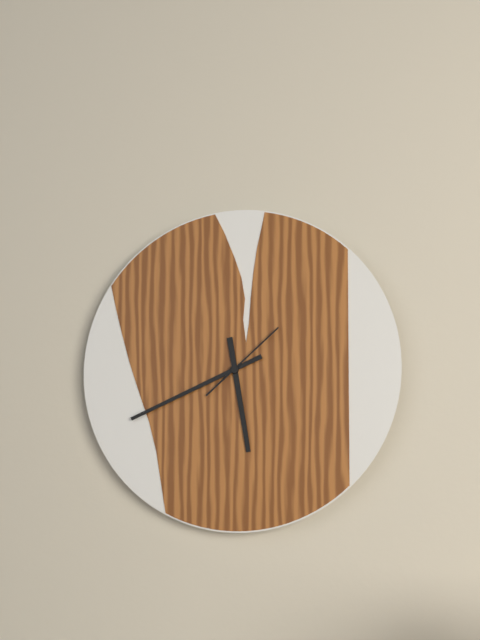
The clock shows 5:41:08
